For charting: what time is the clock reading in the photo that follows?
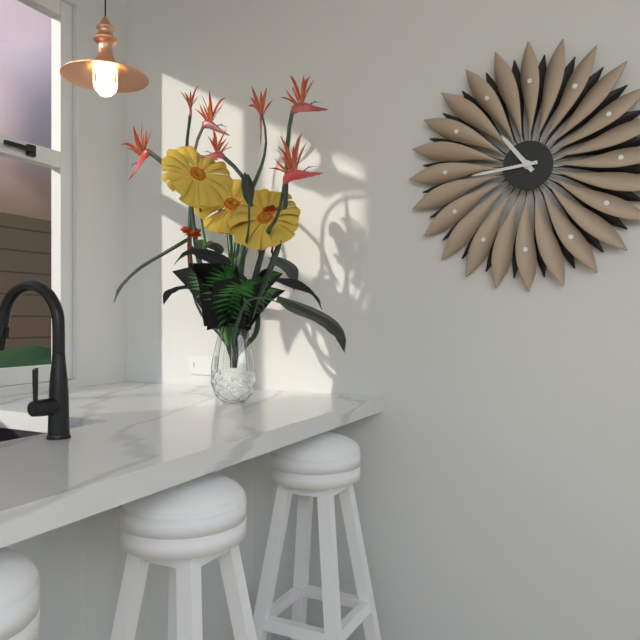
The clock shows 10:44
